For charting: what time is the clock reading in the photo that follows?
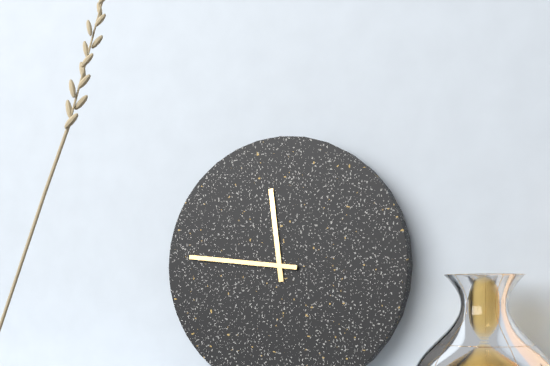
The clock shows 11:46
